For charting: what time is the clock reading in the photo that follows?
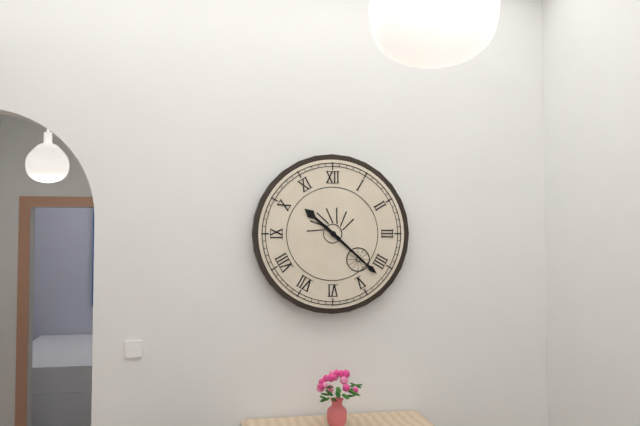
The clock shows 10:22
